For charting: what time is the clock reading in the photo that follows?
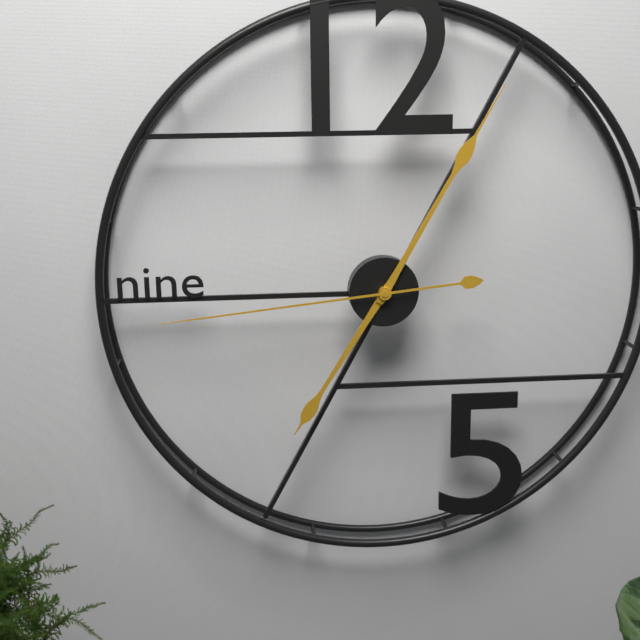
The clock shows 7:05:44
